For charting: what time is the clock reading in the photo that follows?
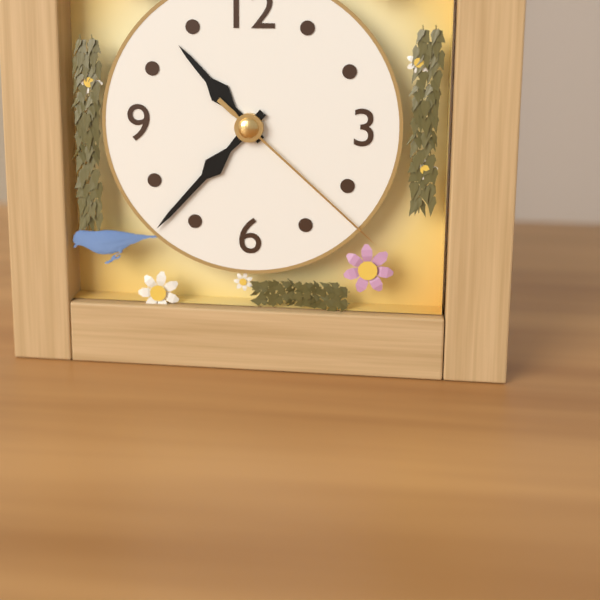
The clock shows 10:37:22
